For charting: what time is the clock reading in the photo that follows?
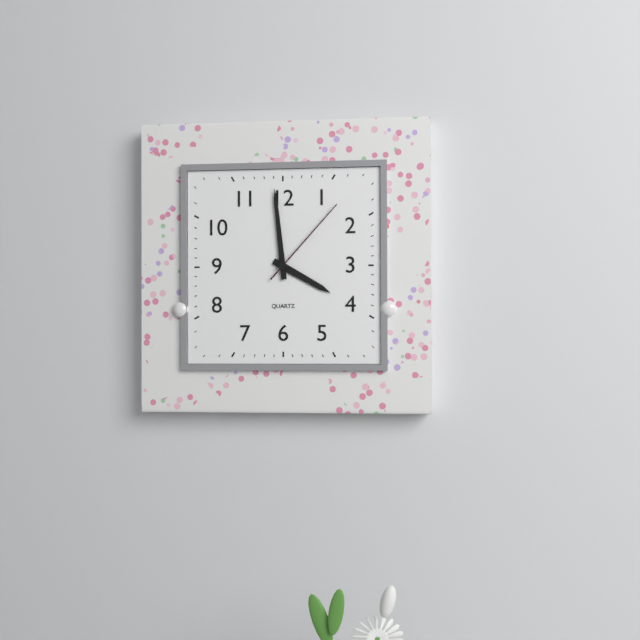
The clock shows 3:59:07
